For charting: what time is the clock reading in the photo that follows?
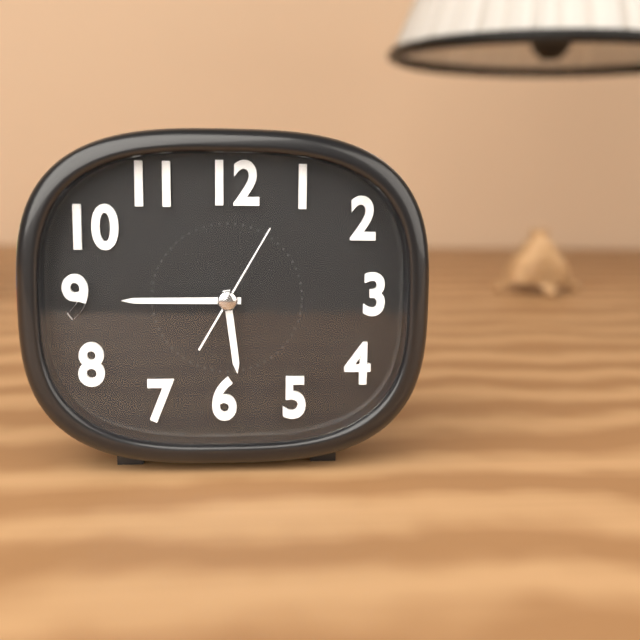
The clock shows 5:45:05
